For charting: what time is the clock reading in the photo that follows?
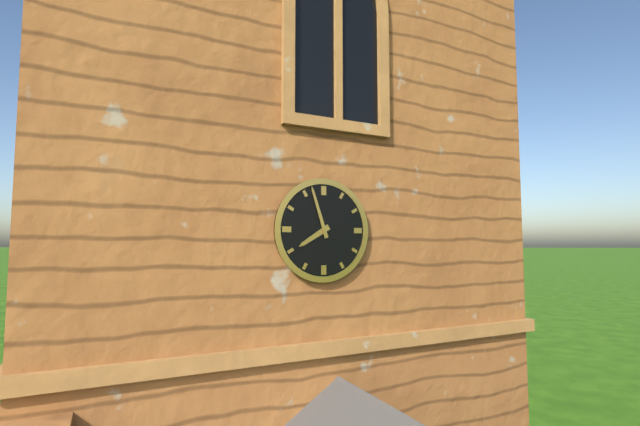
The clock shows 7:57
